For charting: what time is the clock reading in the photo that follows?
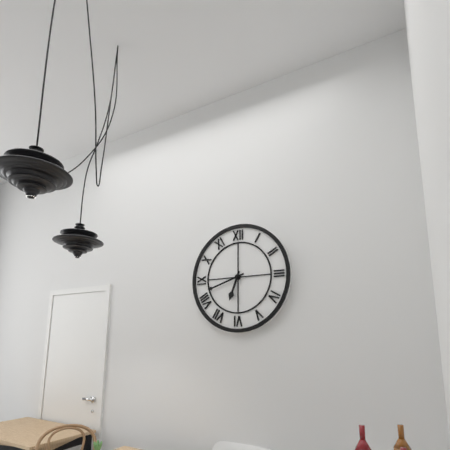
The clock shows 6:42
